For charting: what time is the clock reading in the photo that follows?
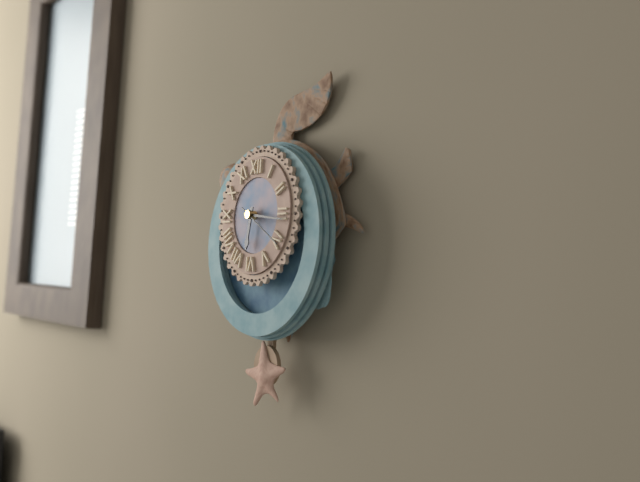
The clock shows 6:16:20
